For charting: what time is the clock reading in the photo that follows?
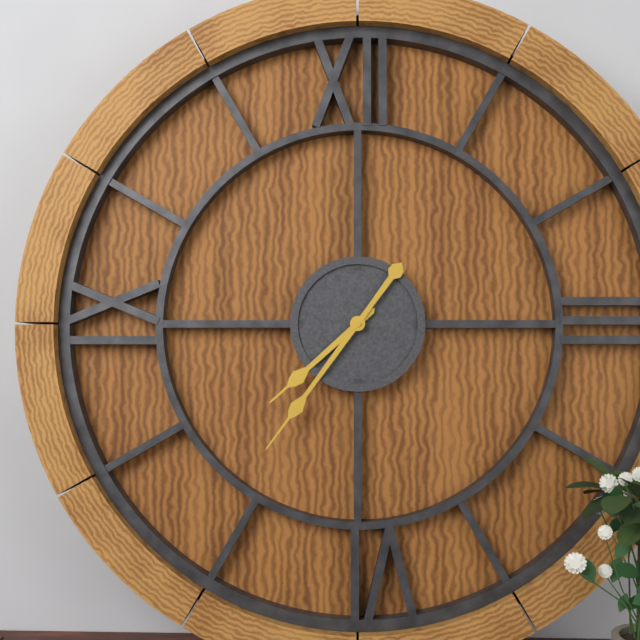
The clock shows 7:36
